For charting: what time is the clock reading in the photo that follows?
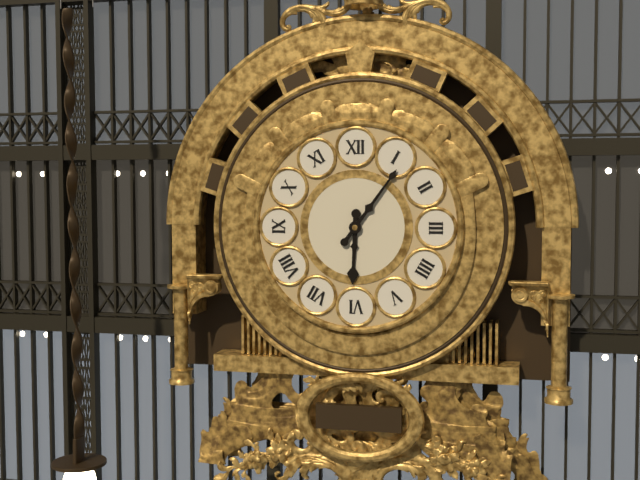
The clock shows 6:06
